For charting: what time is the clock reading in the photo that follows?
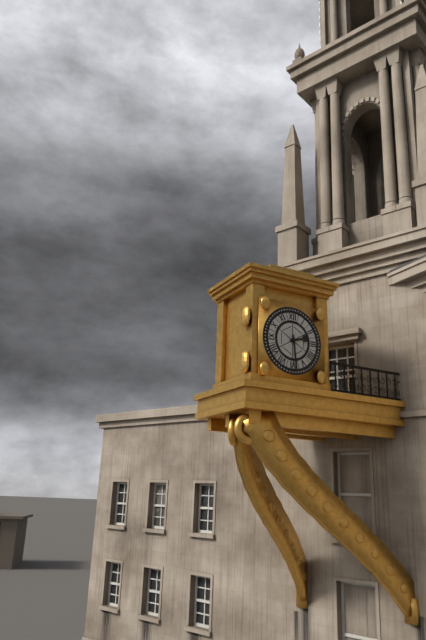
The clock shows 2:29
